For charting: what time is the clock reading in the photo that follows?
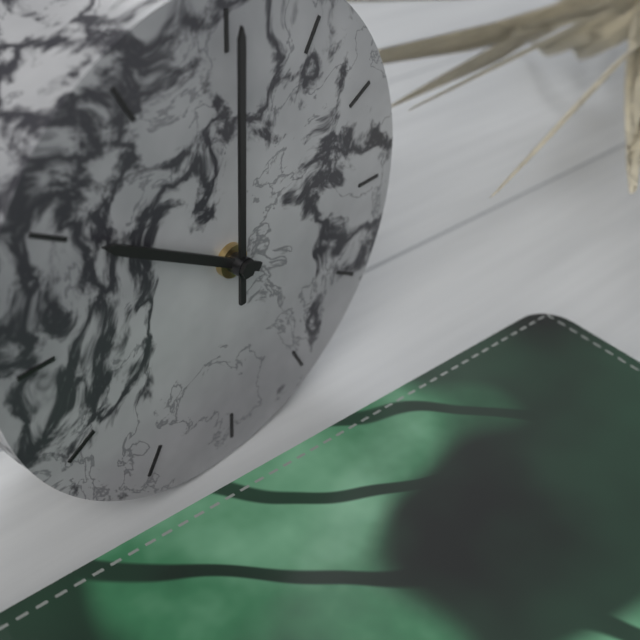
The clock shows 10:00
